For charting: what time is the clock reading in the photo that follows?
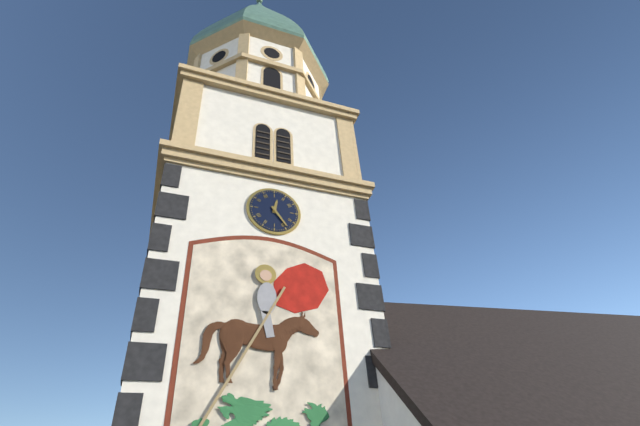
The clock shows 12:24
